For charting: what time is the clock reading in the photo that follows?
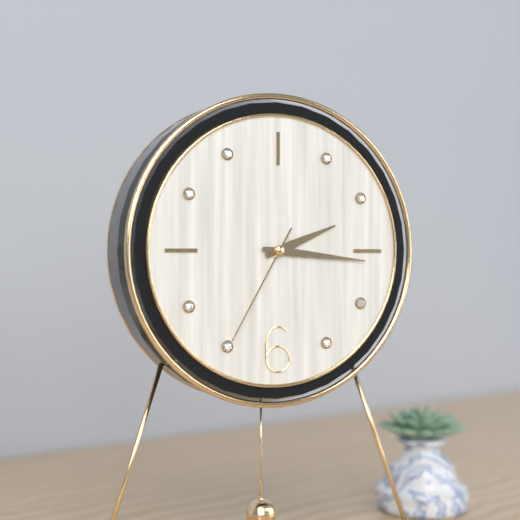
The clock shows 2:16:35
